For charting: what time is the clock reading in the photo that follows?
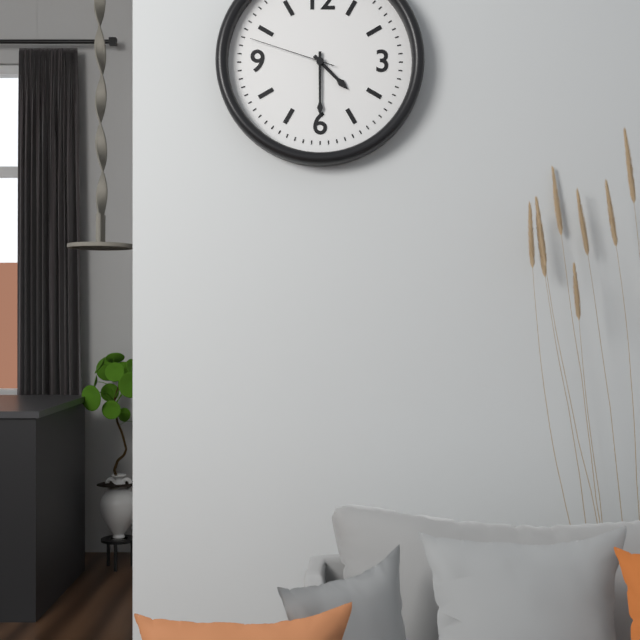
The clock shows 4:30:48
